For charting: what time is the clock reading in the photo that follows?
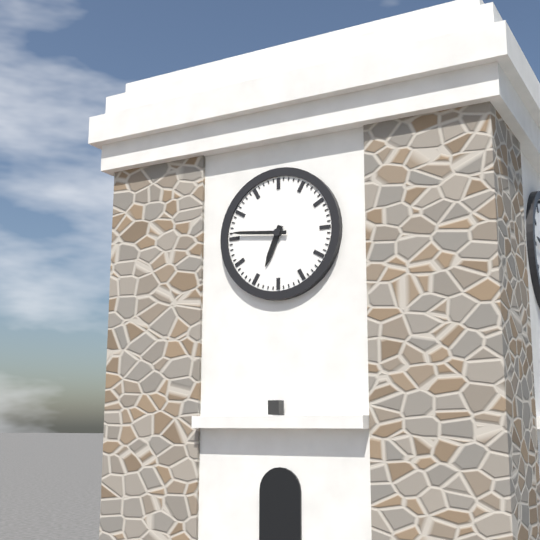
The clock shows 6:46
